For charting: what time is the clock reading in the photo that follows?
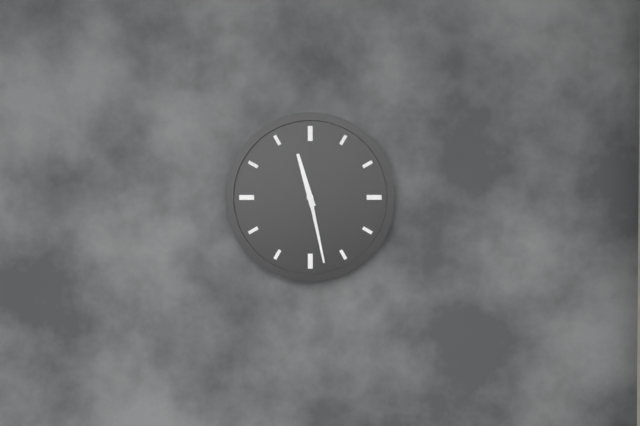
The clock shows 11:28
